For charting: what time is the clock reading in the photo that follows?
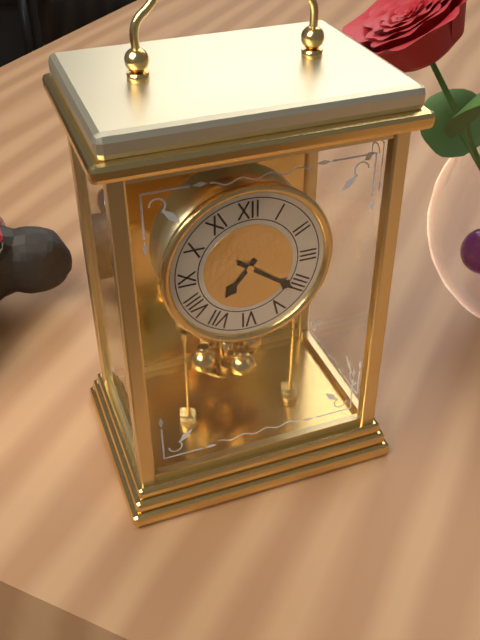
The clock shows 7:21
